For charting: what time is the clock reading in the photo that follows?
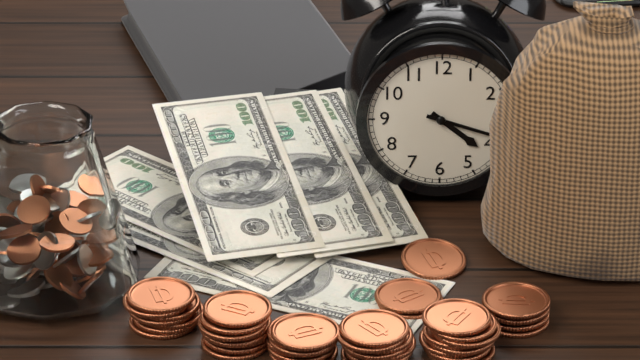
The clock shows 4:18
